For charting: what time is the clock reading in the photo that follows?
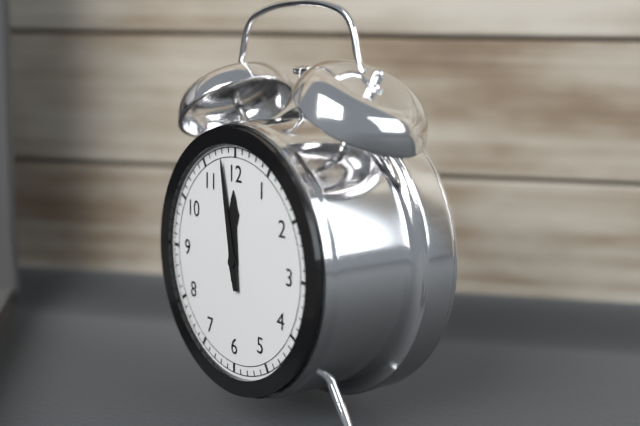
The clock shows 11:58
